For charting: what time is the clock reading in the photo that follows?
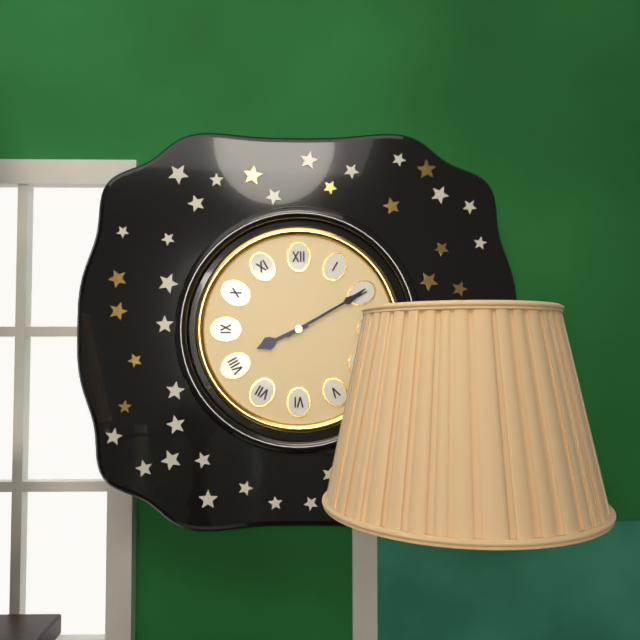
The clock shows 8:10
